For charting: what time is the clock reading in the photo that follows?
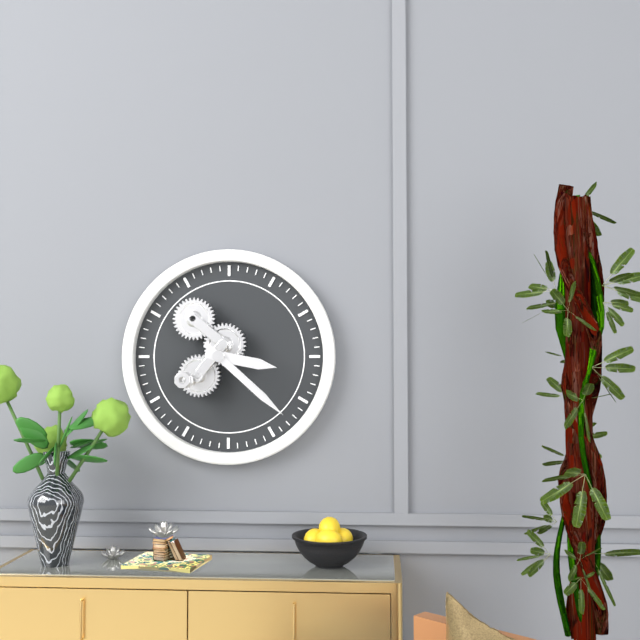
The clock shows 3:22
